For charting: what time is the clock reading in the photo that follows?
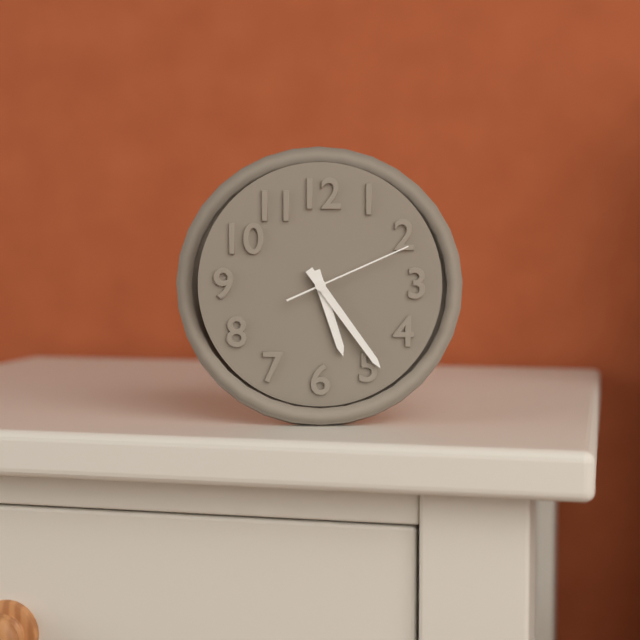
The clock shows 5:24:11
